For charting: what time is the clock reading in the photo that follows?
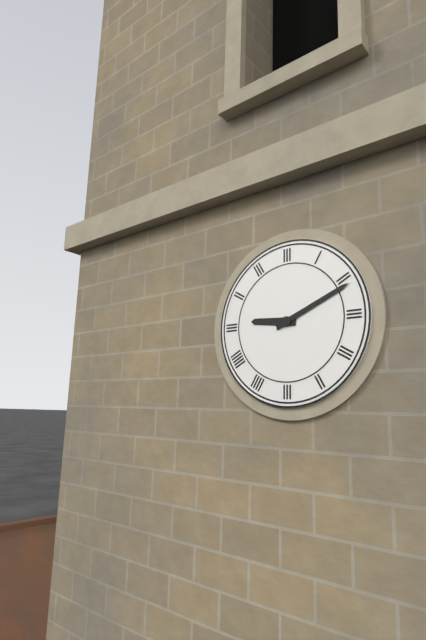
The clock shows 9:11
